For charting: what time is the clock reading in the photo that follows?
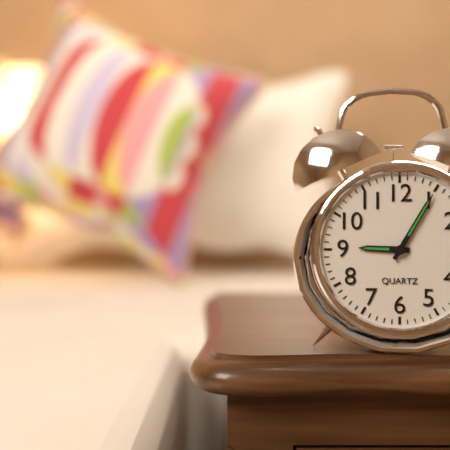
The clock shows 9:05
